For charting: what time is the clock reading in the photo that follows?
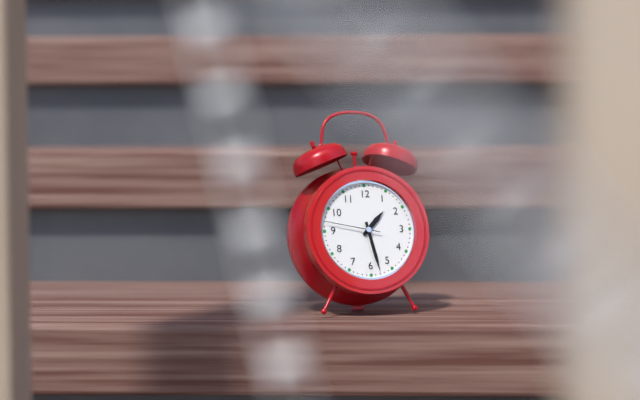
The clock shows 1:28:47
